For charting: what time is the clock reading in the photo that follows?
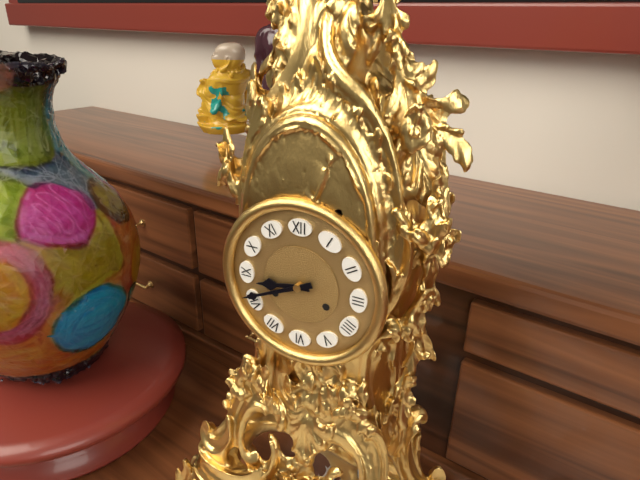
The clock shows 8:41
